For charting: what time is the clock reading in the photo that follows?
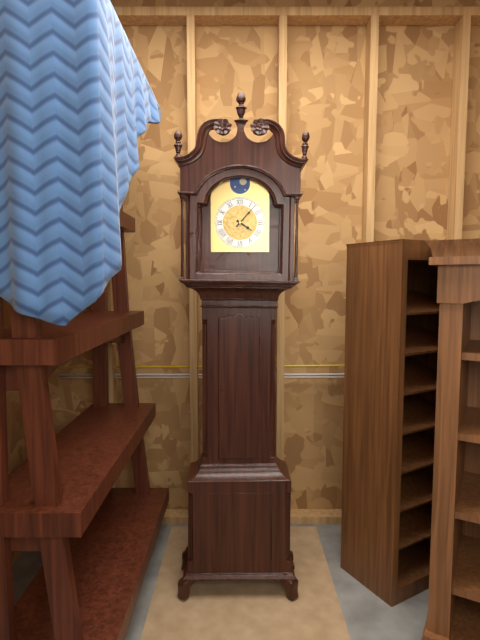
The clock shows 4:07
